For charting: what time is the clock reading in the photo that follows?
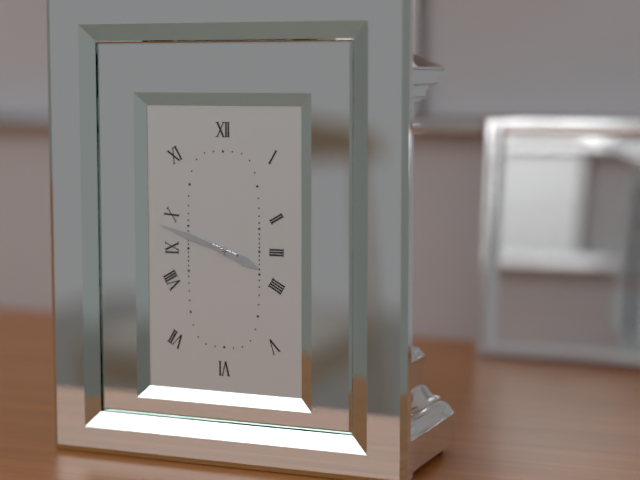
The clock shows 3:48
